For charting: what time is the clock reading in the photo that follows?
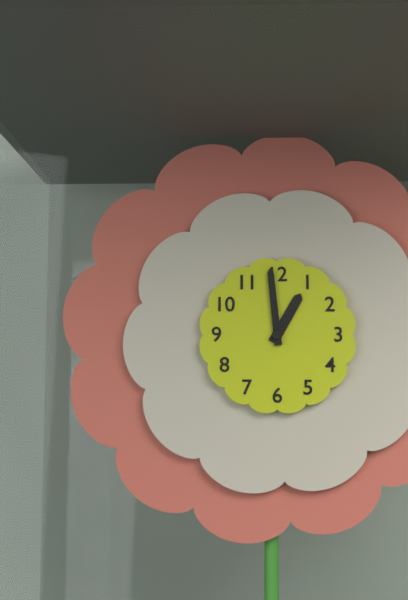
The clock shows 12:59
